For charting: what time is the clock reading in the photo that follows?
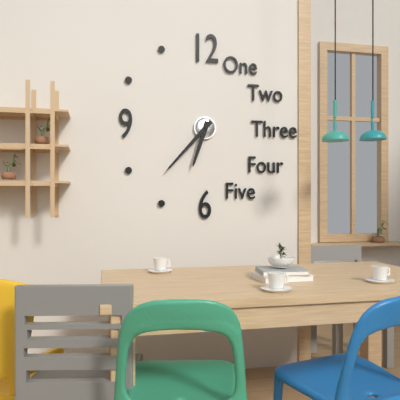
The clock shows 6:37
